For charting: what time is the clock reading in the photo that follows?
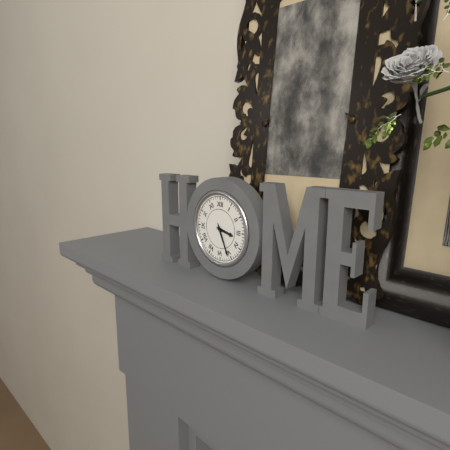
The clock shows 3:26
